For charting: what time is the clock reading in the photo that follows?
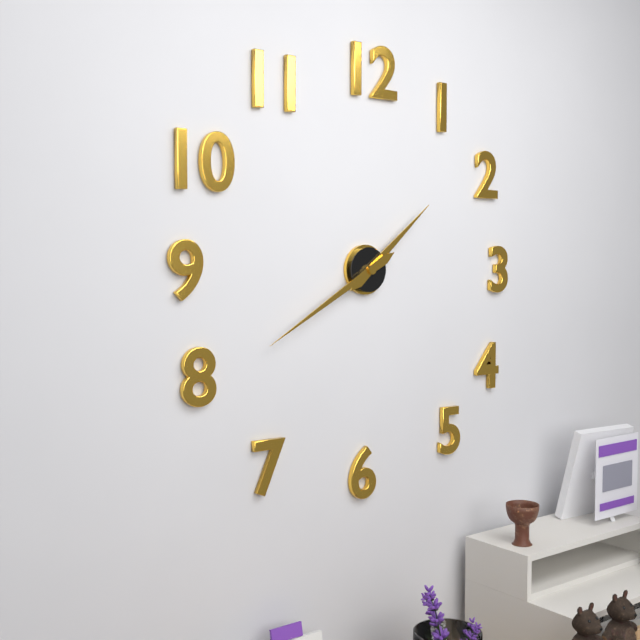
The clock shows 1:40
